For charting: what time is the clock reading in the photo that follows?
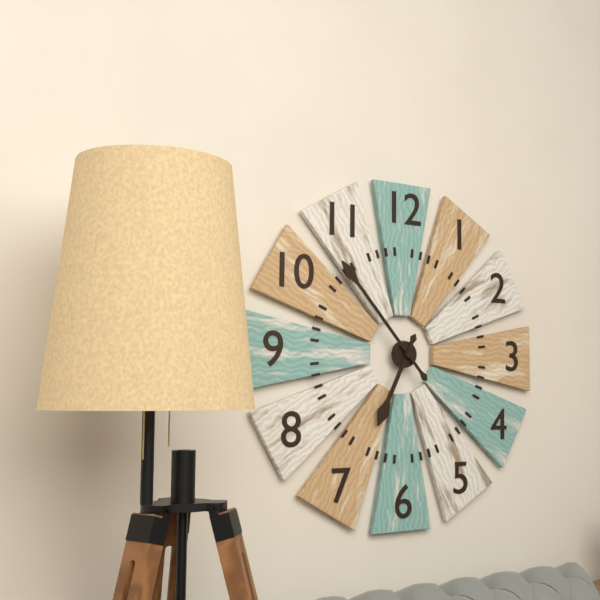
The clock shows 6:53
